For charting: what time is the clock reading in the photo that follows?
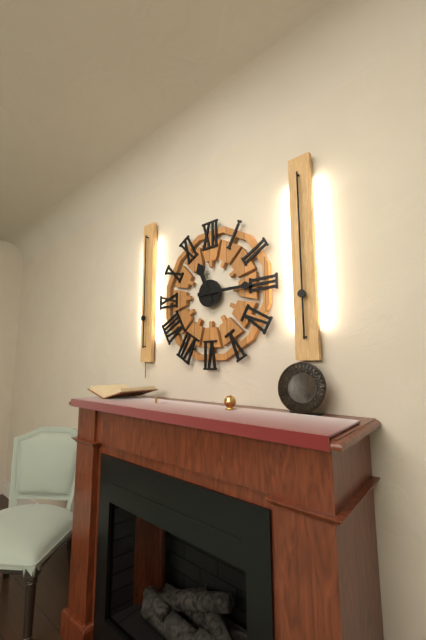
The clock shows 11:15
